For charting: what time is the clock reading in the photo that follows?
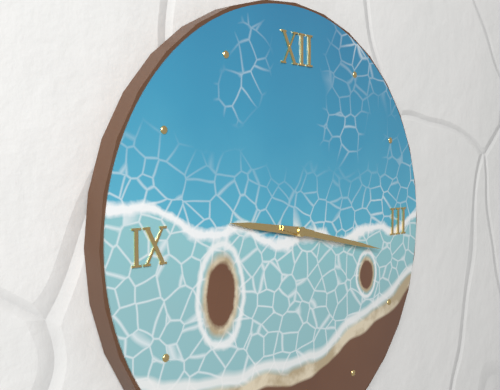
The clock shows 9:17
